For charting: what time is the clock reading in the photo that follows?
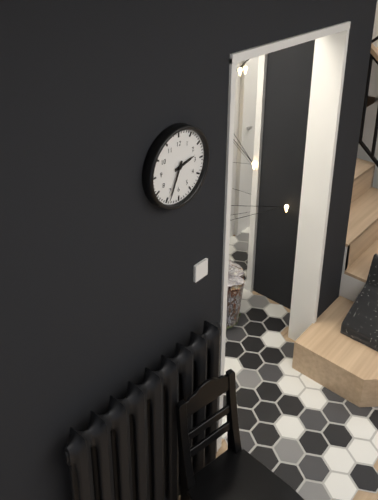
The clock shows 2:34
